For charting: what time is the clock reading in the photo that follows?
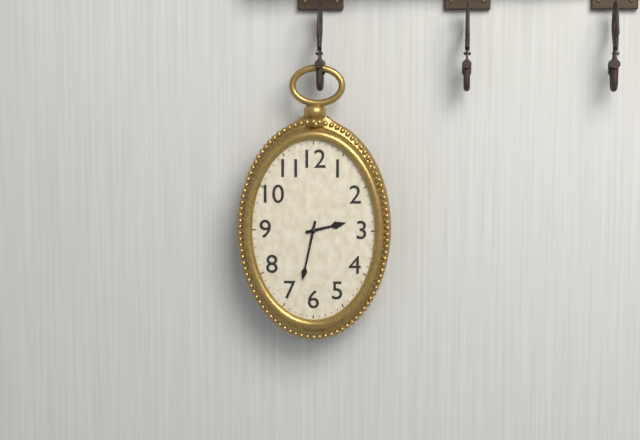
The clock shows 2:32
